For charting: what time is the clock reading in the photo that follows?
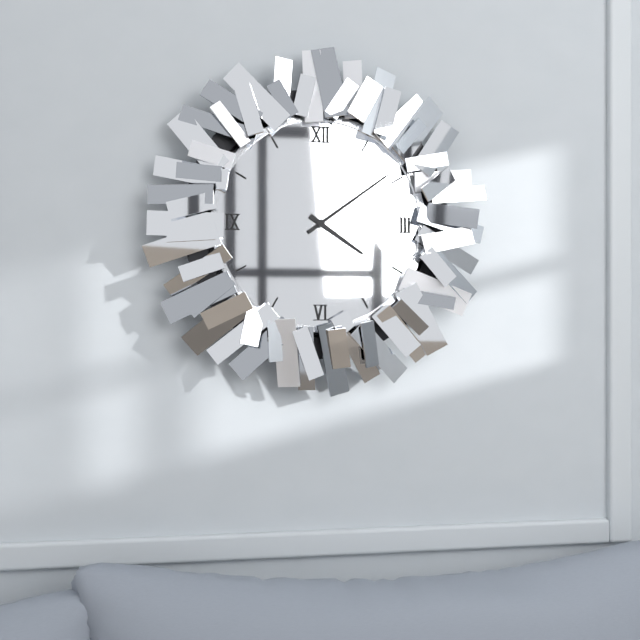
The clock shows 4:09
